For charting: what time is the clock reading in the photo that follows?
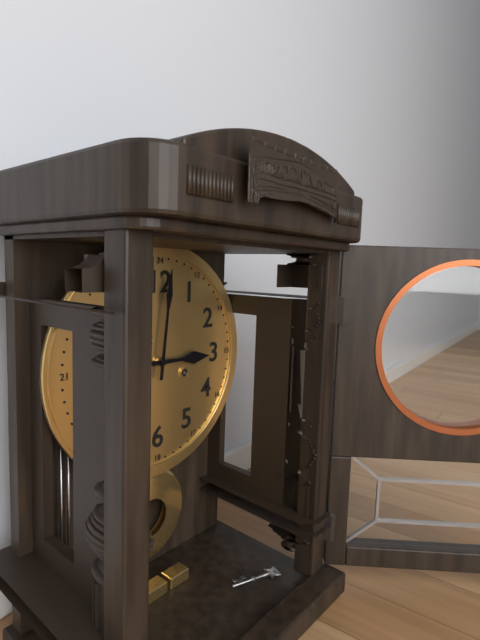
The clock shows 3:01
